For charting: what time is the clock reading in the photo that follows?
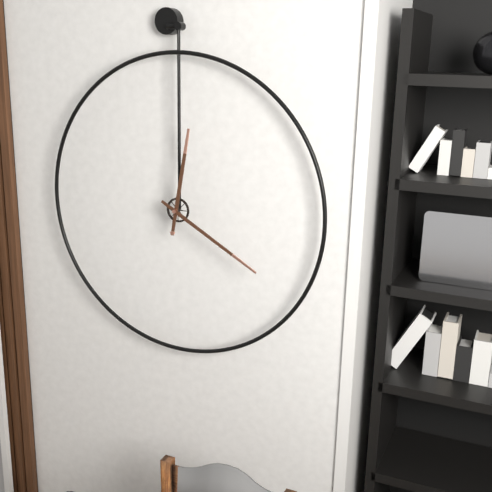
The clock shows 12:20
